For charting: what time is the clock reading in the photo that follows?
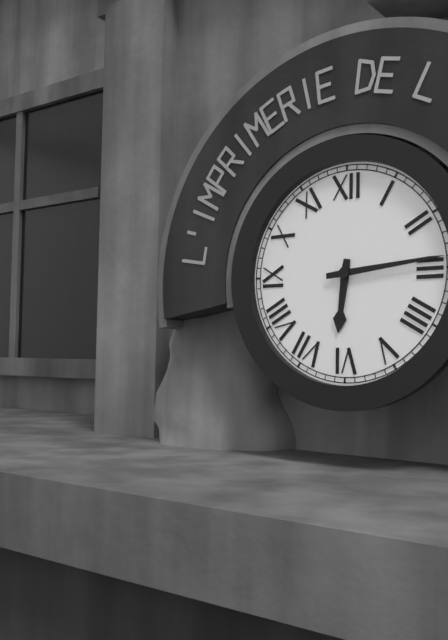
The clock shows 6:14
